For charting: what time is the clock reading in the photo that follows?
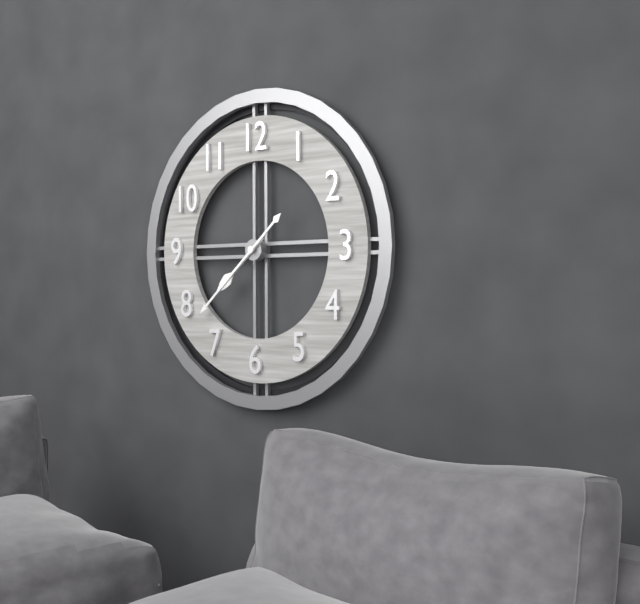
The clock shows 7:38
